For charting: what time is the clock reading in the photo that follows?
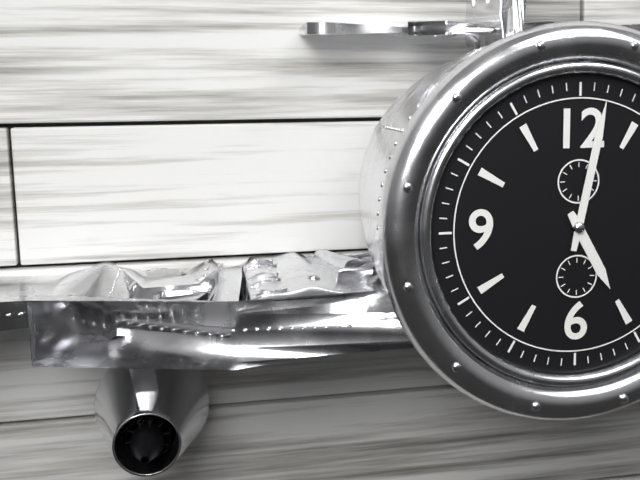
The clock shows 5:02
